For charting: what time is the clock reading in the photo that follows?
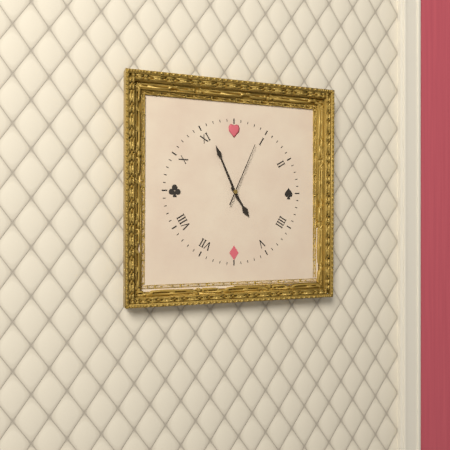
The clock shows 4:56:04
